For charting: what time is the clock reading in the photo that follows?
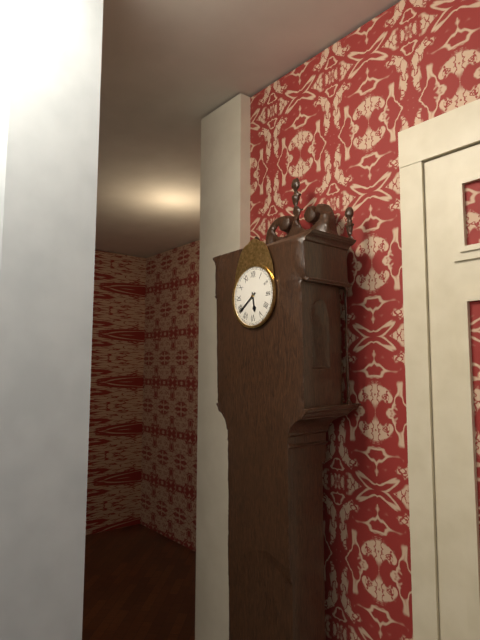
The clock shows 5:39
